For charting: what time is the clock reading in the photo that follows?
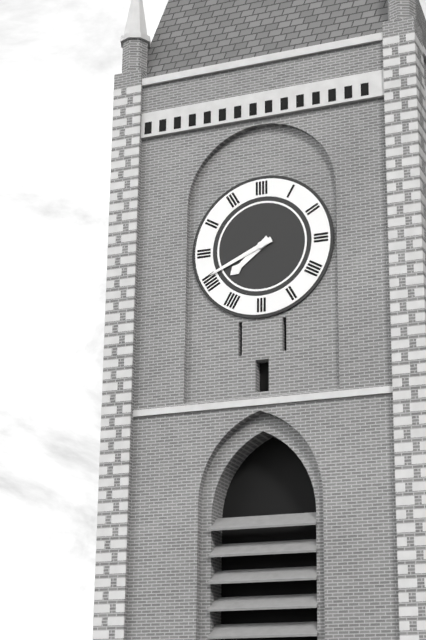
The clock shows 7:41
